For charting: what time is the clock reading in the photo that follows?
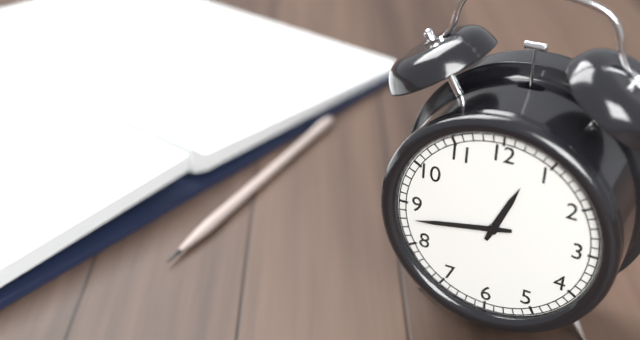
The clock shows 12:43
